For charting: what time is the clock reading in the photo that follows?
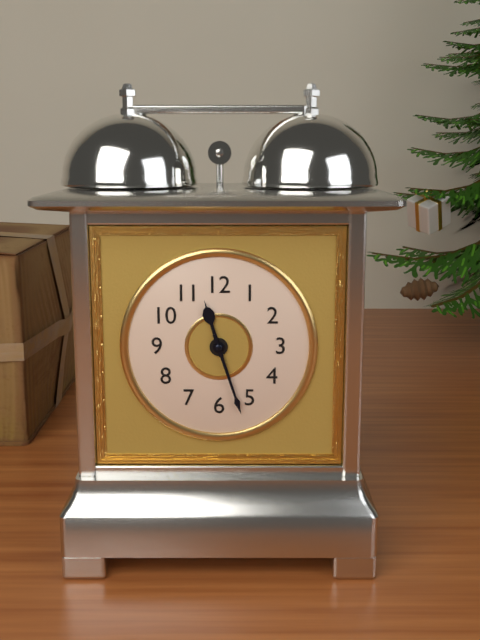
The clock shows 11:27
